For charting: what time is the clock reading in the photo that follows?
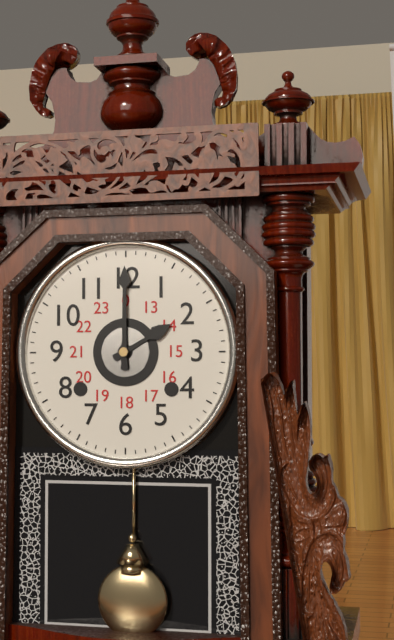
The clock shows 2:00
